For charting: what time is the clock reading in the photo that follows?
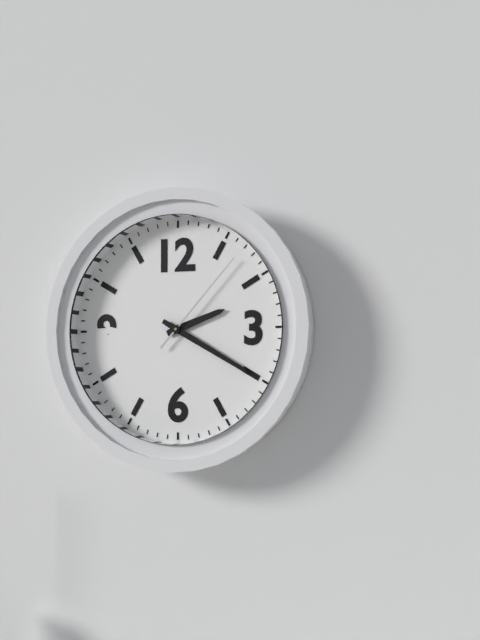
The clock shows 2:20:07
